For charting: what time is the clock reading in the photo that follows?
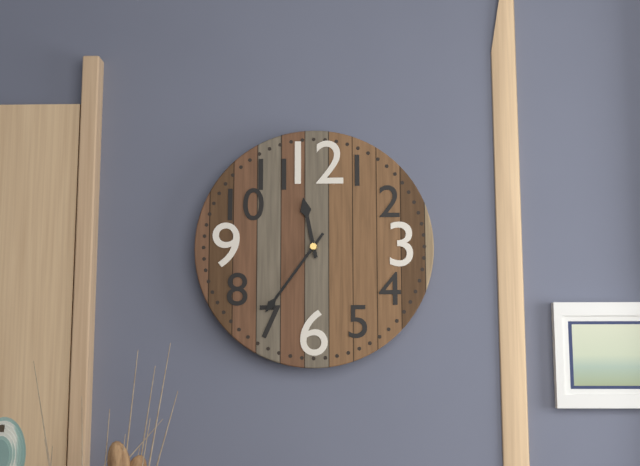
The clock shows 11:36
